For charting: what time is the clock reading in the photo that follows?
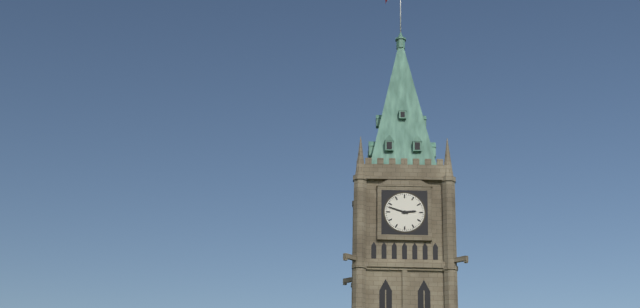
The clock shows 2:48
